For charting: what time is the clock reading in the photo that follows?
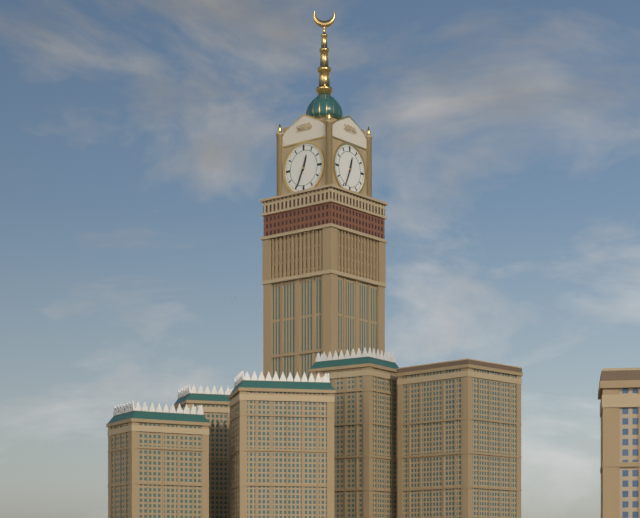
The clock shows 12:34
